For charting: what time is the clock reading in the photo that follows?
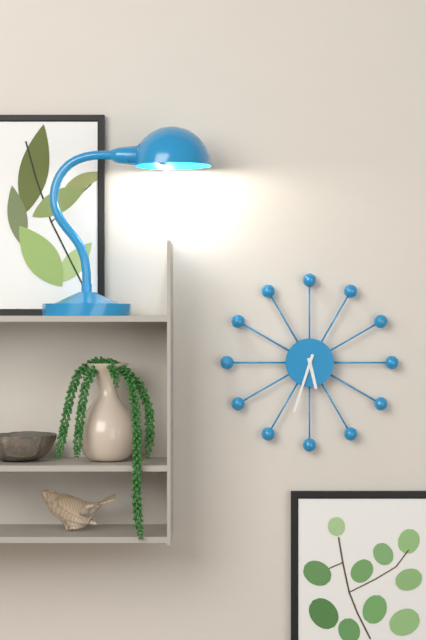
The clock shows 5:33
